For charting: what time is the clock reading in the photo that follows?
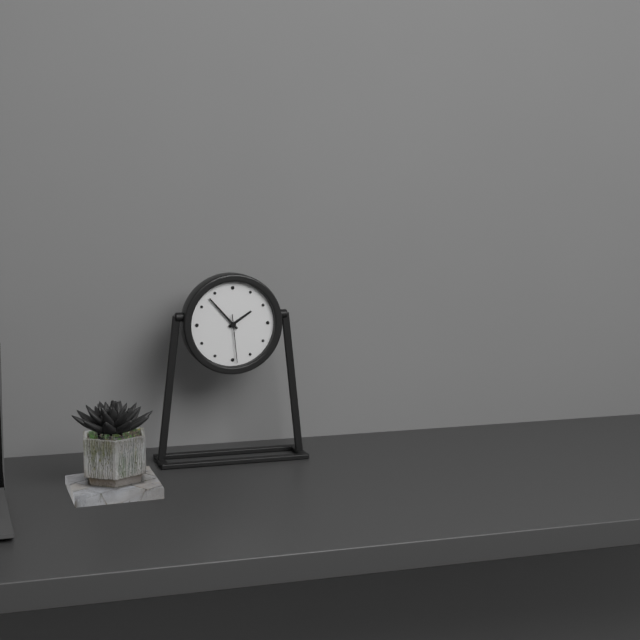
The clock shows 1:53
